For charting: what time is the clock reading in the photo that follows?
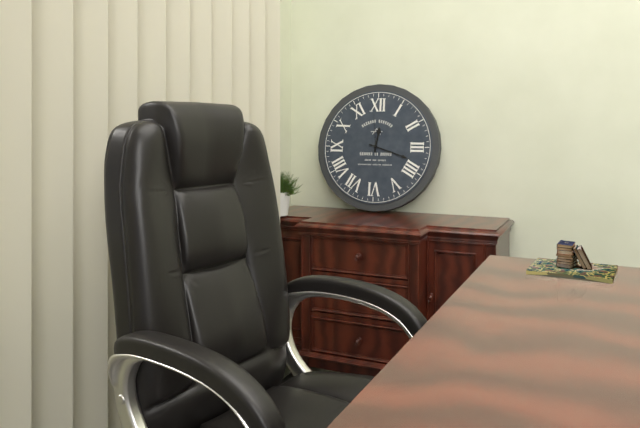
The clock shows 12:18
